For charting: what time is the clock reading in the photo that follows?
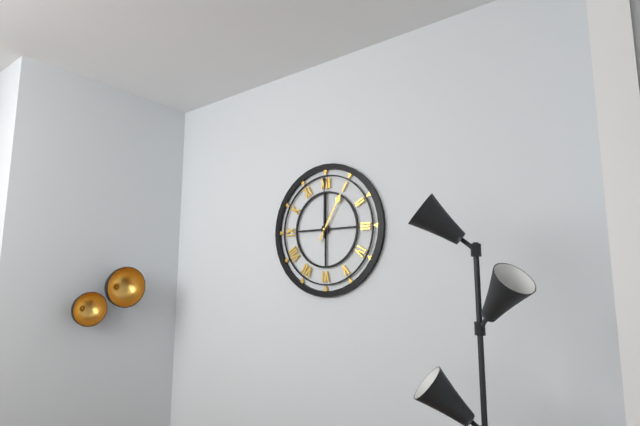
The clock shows 1:00
